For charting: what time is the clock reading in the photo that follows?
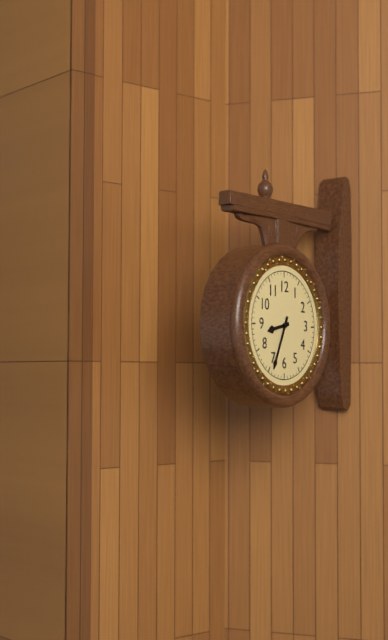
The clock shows 8:34
